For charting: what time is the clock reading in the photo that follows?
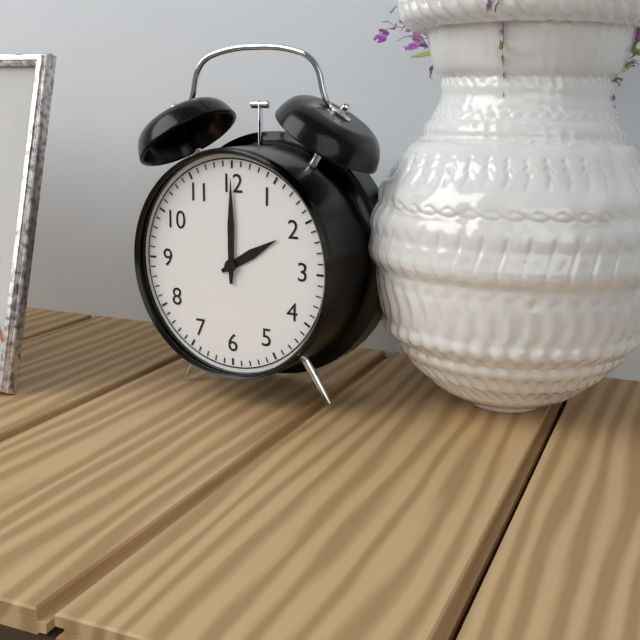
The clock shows 2:00
